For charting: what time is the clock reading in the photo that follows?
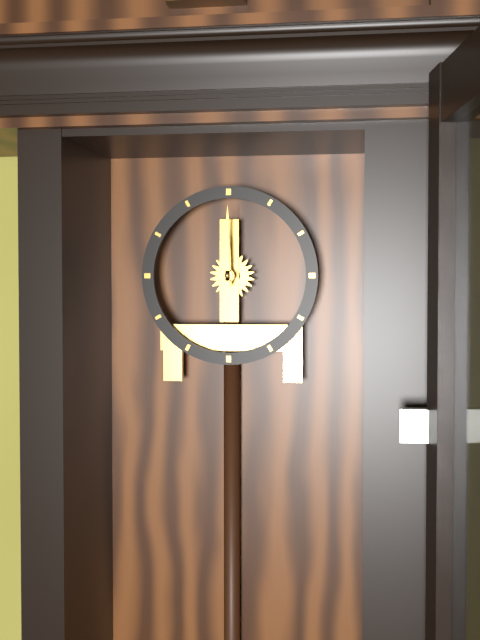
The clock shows 12:00
